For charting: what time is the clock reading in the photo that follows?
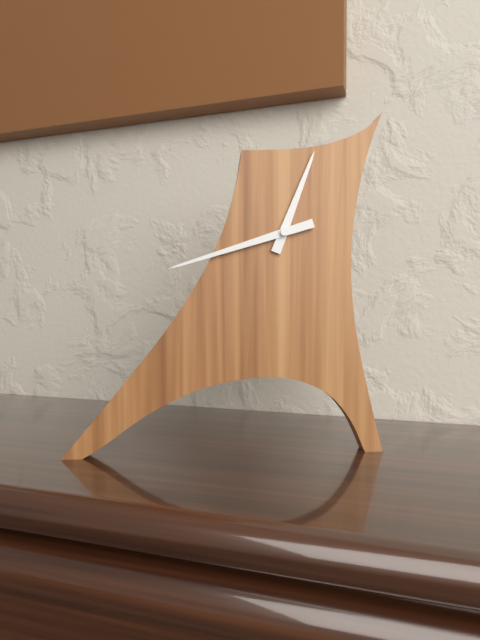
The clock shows 12:42
